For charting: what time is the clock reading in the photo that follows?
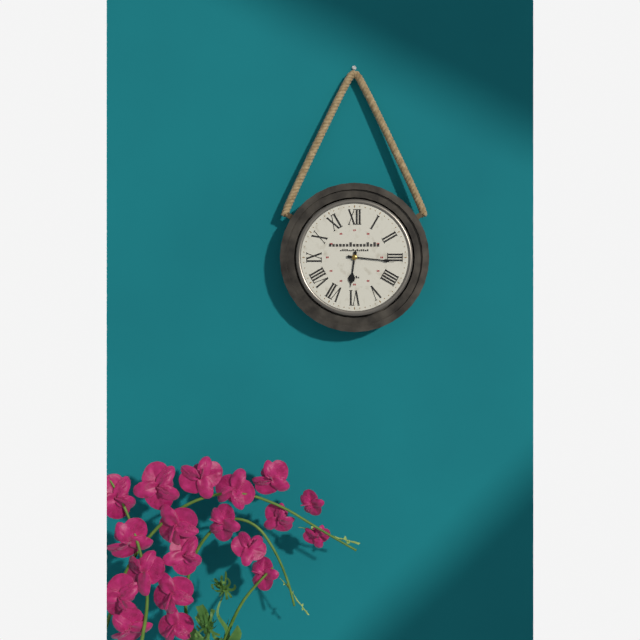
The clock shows 6:16
